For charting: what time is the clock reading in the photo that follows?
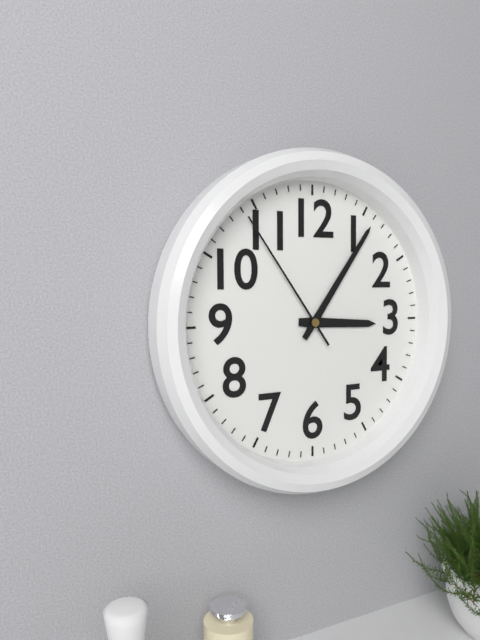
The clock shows 3:06:54
